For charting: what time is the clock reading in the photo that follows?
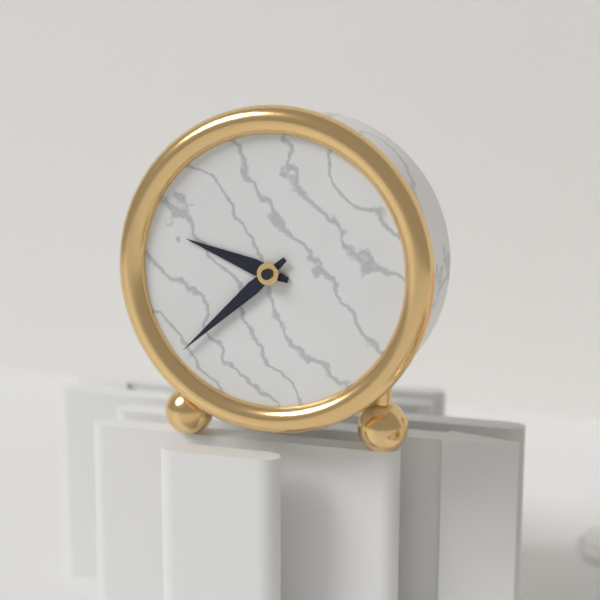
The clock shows 9:38
